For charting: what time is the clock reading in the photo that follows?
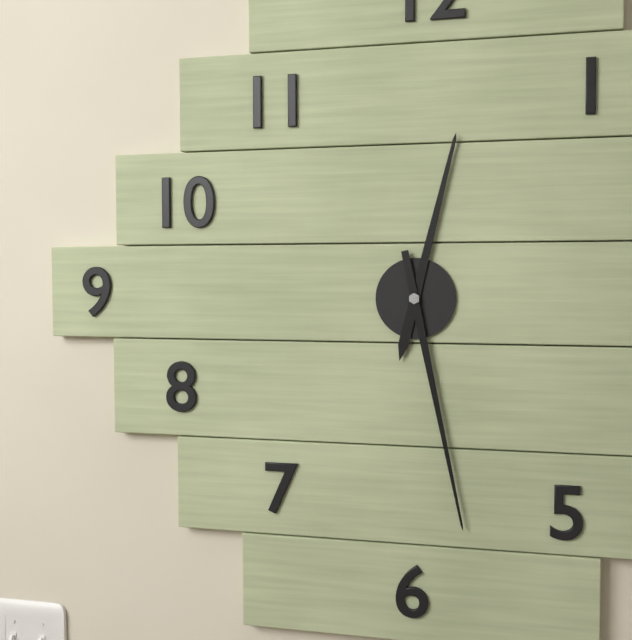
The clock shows 12:28
